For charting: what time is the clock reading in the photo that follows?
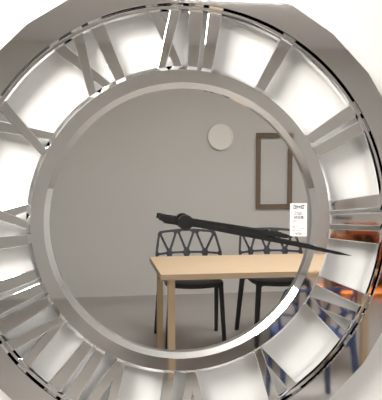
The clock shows 3:17
